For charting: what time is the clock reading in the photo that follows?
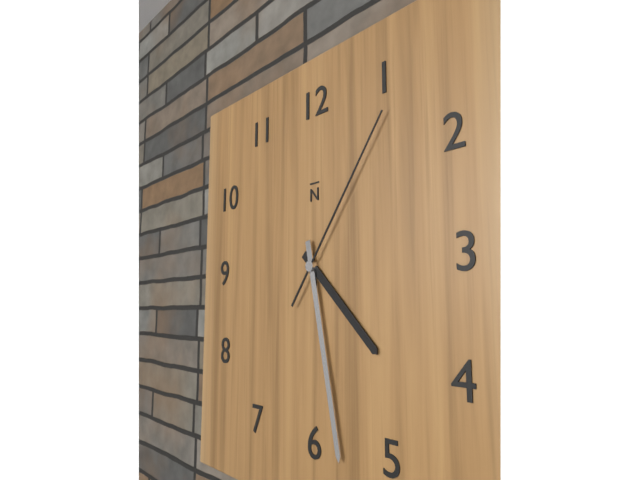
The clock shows 4:28:06
